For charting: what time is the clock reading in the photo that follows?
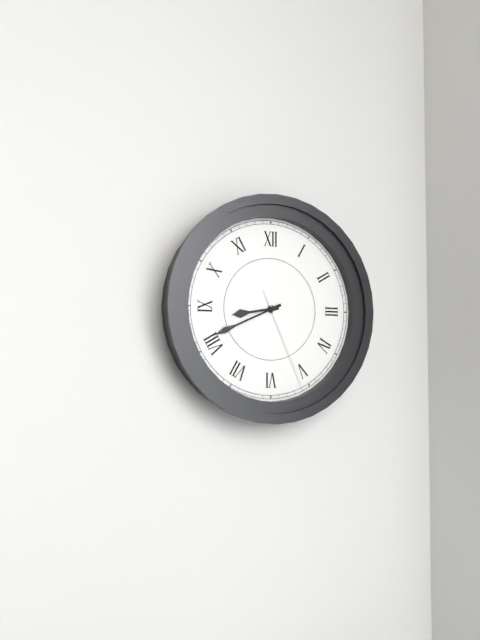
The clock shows 8:41:26
